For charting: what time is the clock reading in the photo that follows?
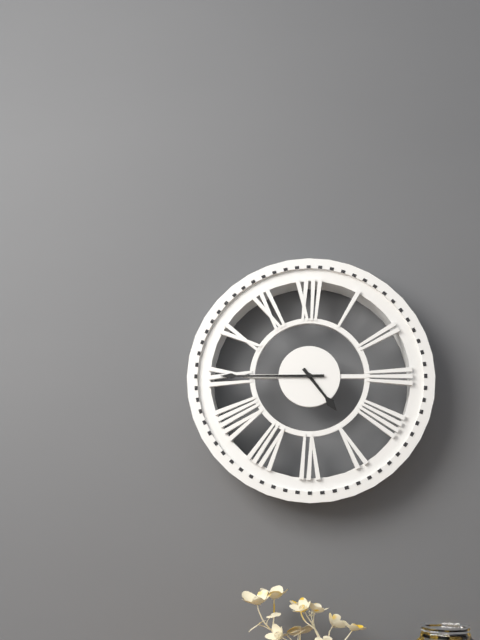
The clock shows 4:45
